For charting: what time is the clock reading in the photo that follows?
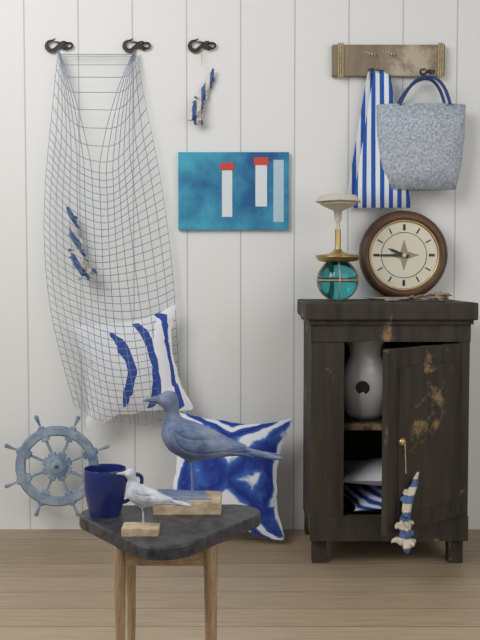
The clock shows 9:45
